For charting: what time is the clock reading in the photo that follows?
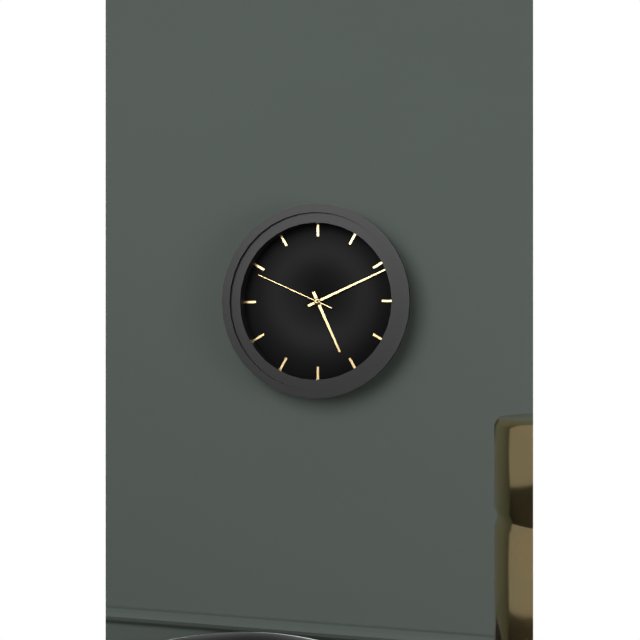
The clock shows 5:11:49
